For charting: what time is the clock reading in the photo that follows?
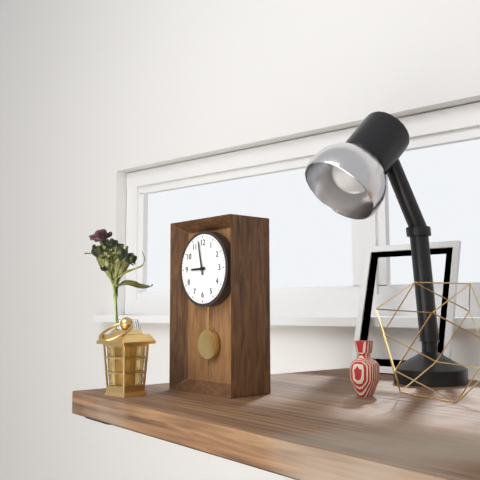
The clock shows 8:58
